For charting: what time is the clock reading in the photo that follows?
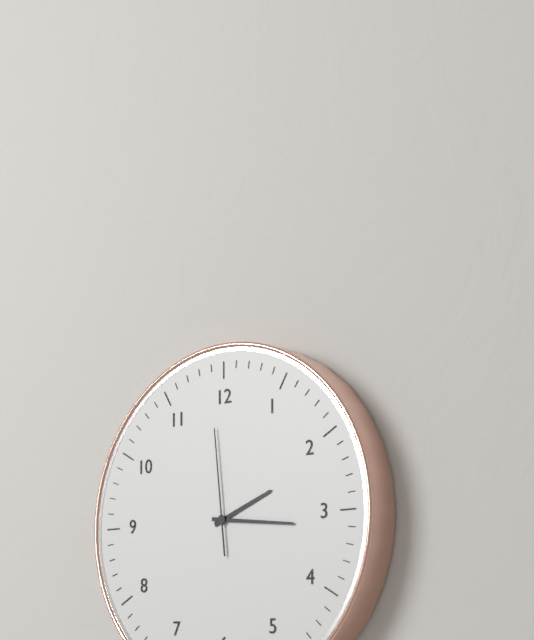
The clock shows 2:16:59
